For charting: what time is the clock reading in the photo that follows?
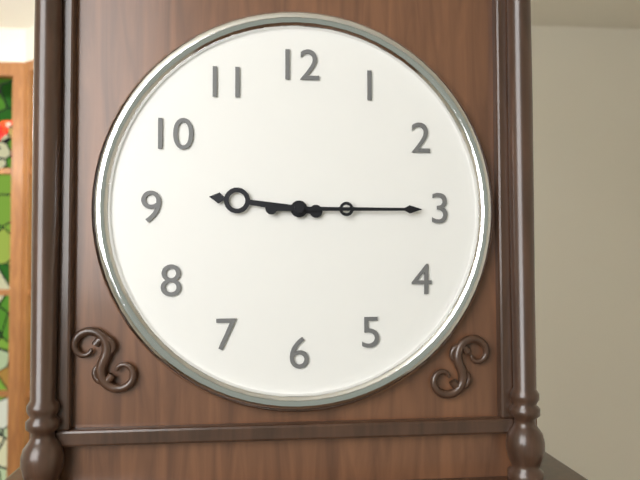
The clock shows 9:15
